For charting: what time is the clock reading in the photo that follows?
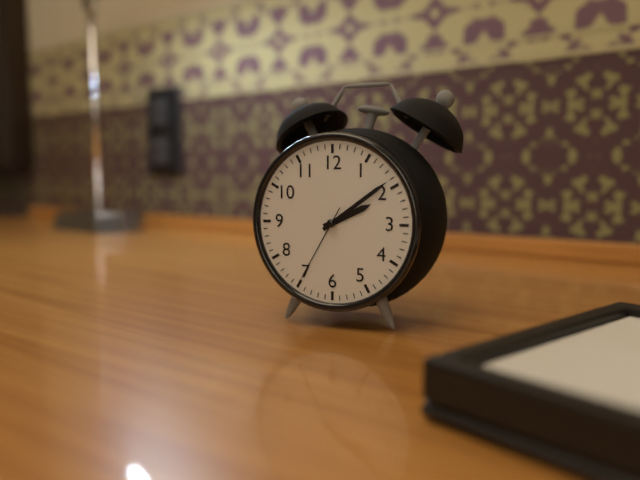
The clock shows 2:09:35
